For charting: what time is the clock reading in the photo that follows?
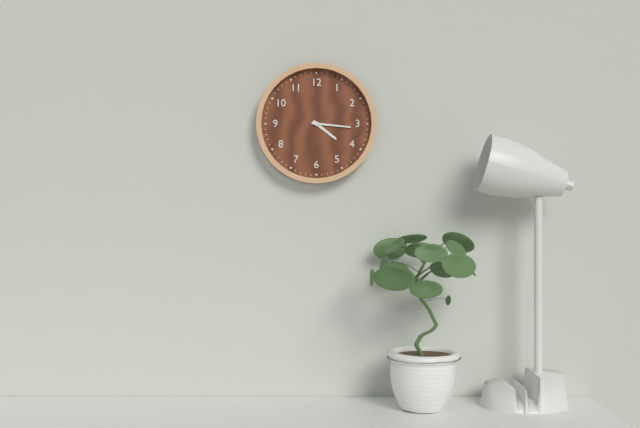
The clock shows 4:16
